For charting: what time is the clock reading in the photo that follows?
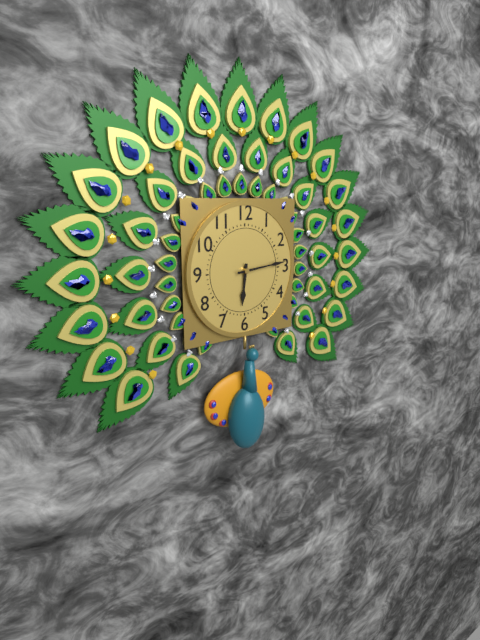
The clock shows 6:14
